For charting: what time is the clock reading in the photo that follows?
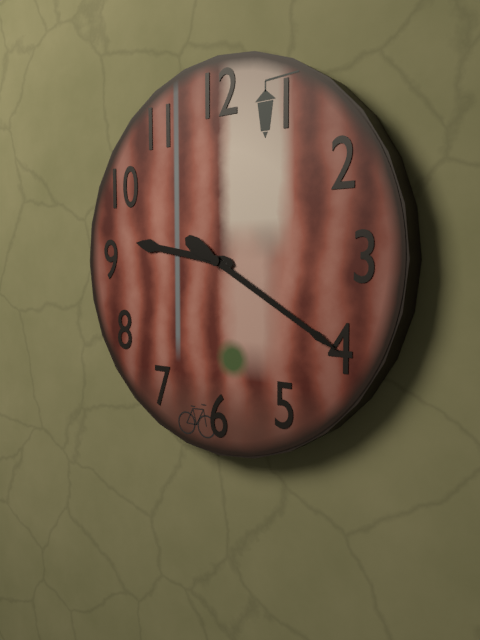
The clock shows 9:20
